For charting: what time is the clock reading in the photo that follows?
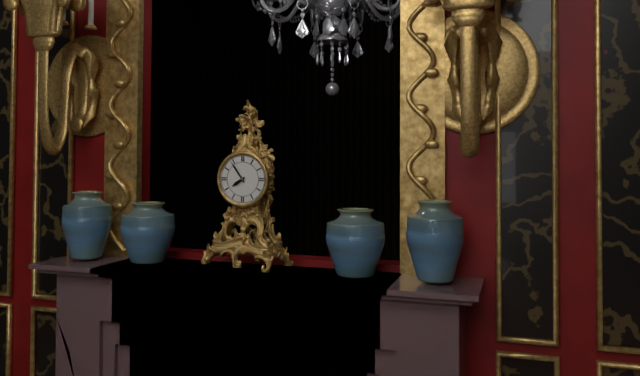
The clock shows 7:54
